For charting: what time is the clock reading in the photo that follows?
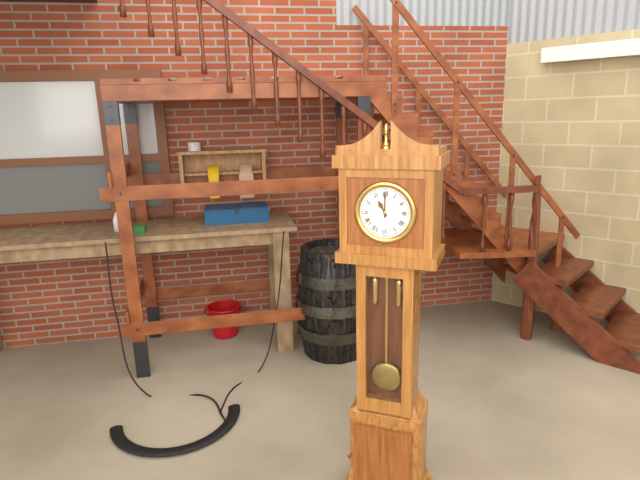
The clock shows 11:00
